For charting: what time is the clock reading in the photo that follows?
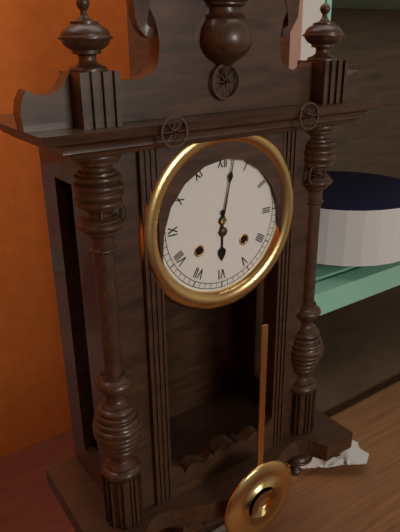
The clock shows 6:02
